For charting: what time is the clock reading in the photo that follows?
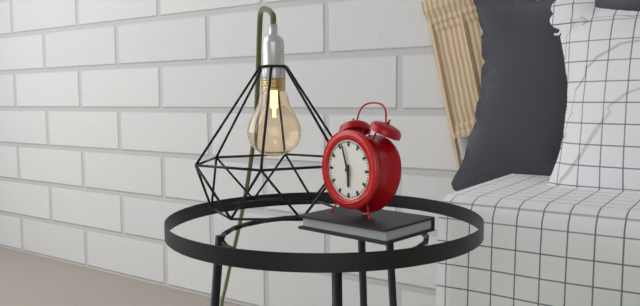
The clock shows 5:57
